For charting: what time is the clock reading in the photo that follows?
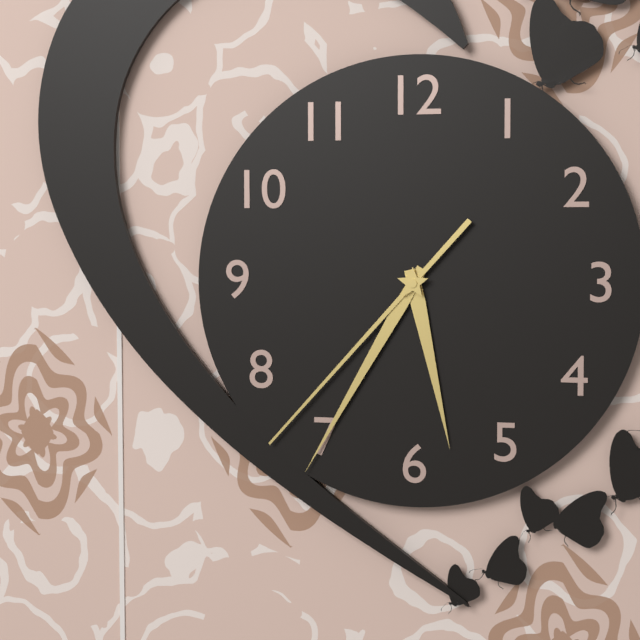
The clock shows 5:35:37
